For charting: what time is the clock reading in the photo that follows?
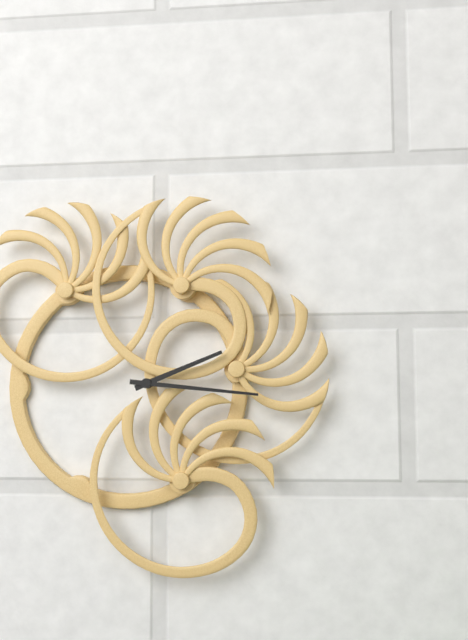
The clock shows 2:16
